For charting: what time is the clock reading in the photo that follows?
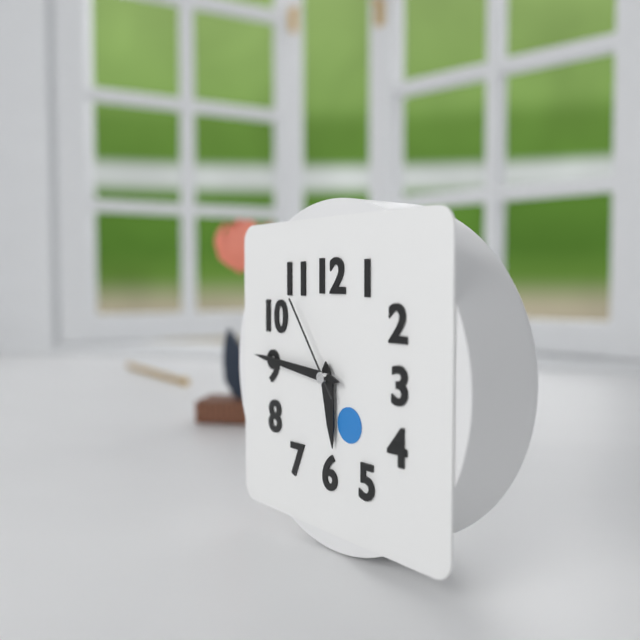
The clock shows 5:46:54
